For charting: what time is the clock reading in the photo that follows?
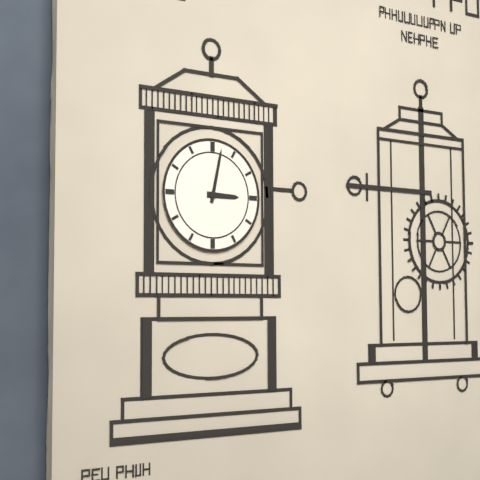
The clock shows 3:02
